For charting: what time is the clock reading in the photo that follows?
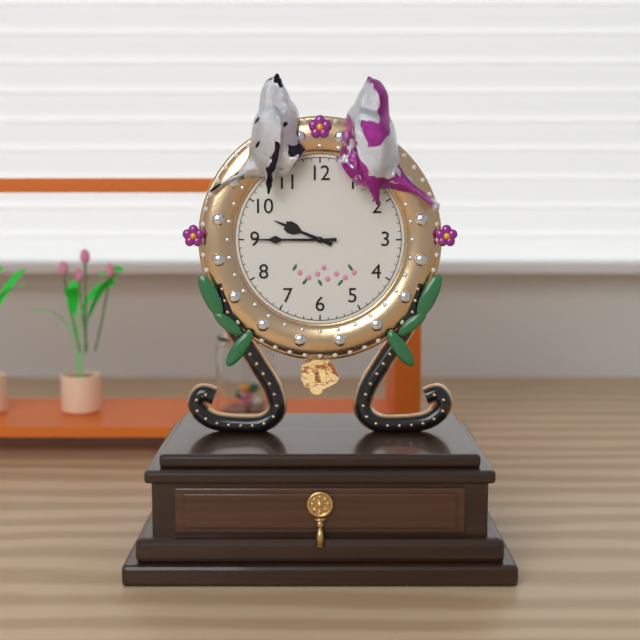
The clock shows 9:45
